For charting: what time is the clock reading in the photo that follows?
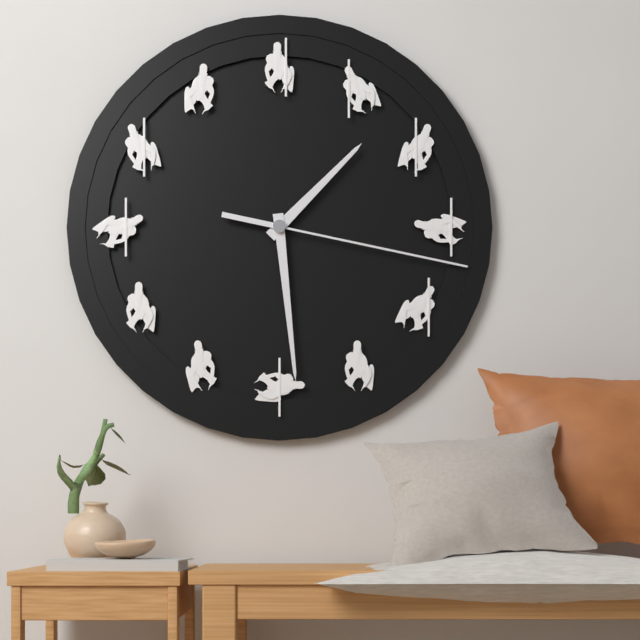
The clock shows 1:29:17
